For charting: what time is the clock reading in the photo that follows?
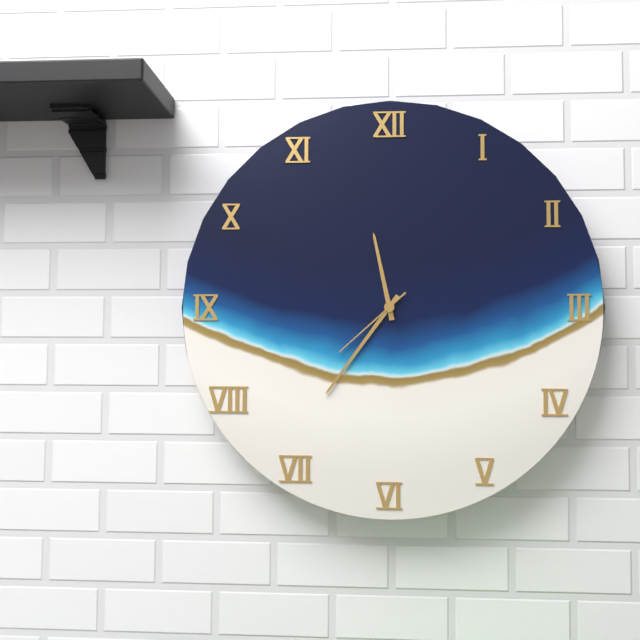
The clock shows 11:36:38
